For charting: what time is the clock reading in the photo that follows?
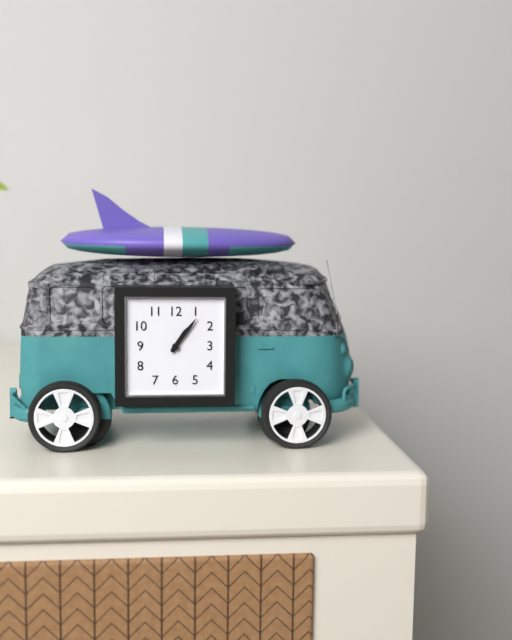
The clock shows 1:06
